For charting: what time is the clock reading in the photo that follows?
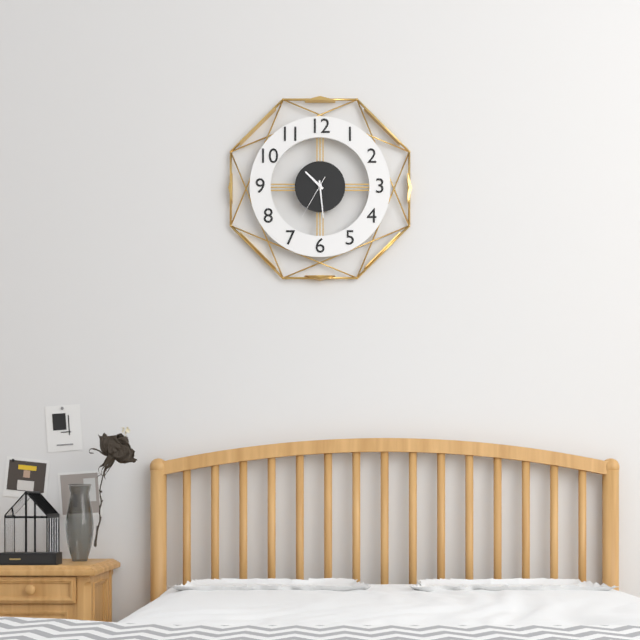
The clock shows 10:29
